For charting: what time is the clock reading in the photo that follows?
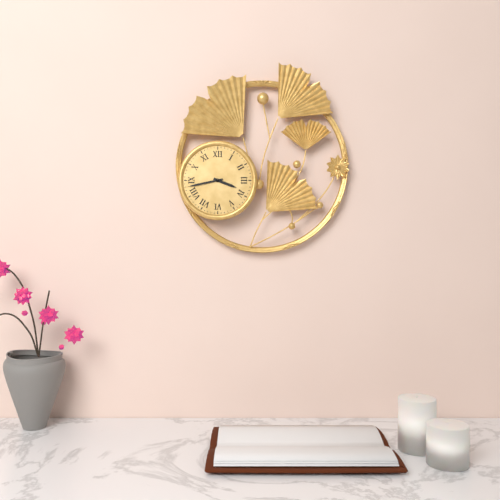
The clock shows 3:43
